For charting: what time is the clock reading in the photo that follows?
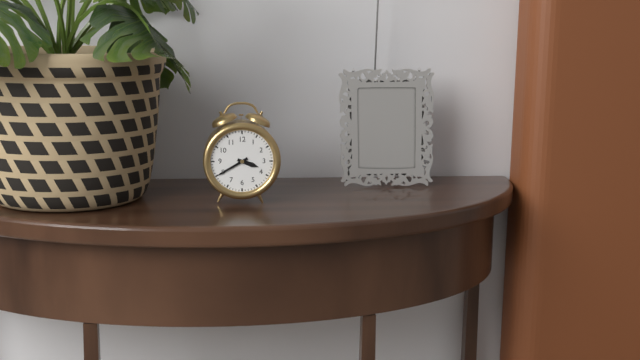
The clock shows 3:40
